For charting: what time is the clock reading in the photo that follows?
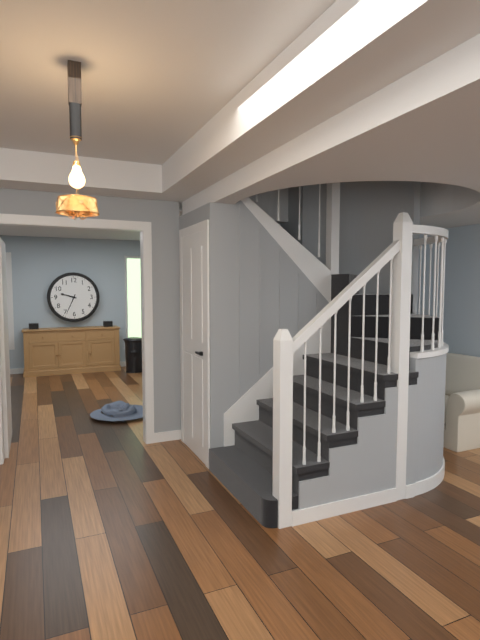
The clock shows 9:34
